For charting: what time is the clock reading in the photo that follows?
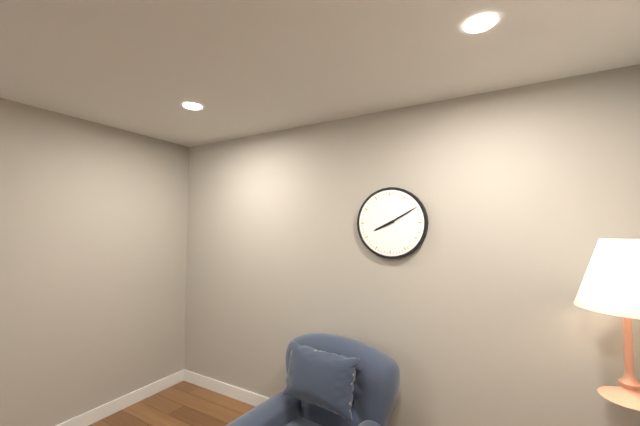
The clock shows 8:10
